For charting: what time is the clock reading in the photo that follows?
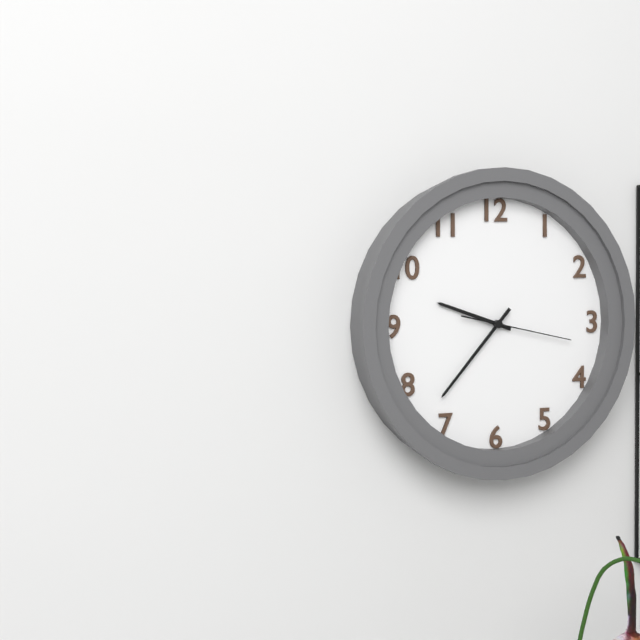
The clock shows 9:37:17
